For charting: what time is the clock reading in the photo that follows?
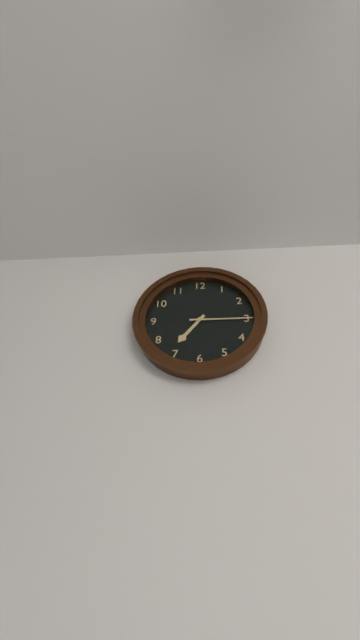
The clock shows 7:15
